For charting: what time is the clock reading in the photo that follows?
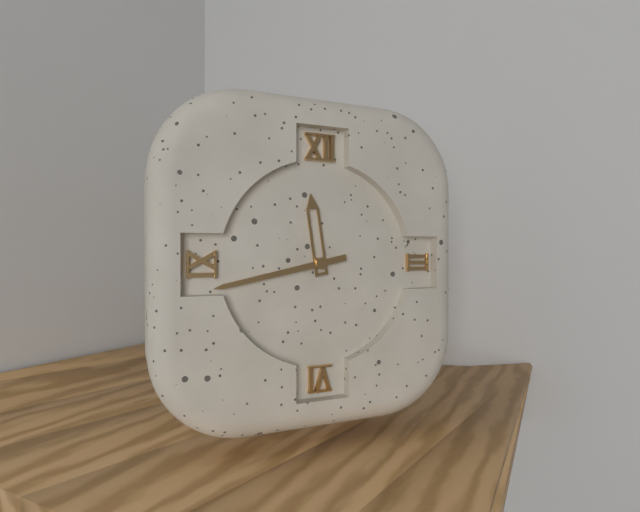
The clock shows 11:43
